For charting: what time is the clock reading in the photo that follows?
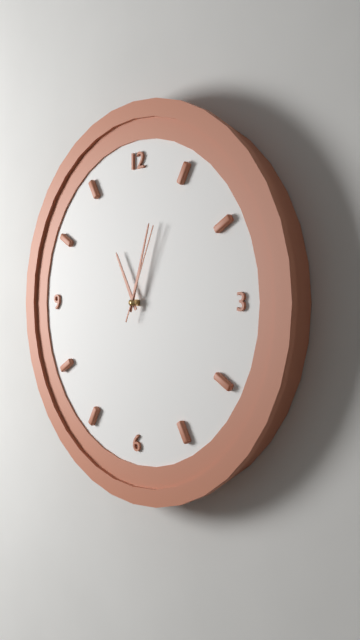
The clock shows 11:03:04
